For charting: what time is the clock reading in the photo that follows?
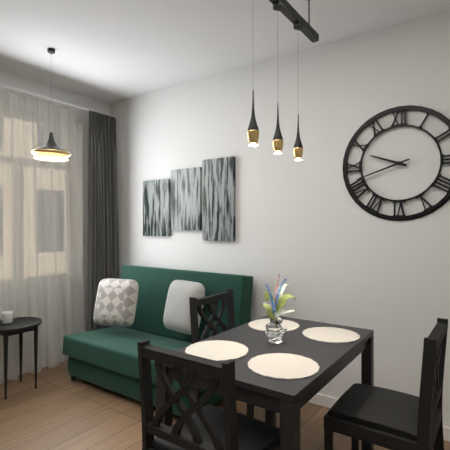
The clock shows 9:42
